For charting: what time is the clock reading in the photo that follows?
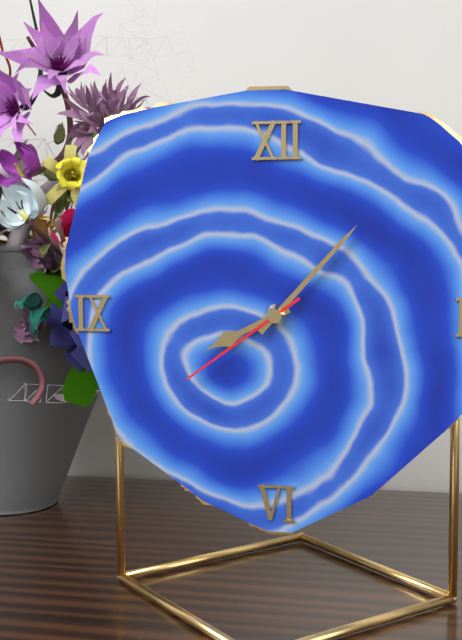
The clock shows 8:07:39
